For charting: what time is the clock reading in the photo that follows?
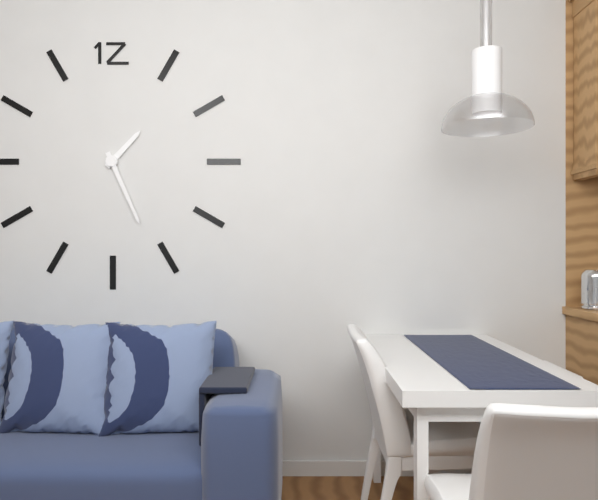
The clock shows 1:26
